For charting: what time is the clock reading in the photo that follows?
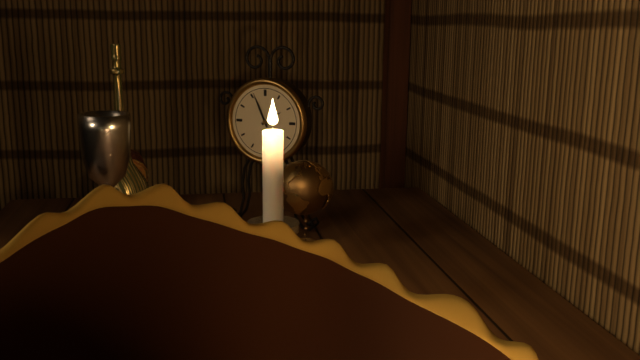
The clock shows 1:56
